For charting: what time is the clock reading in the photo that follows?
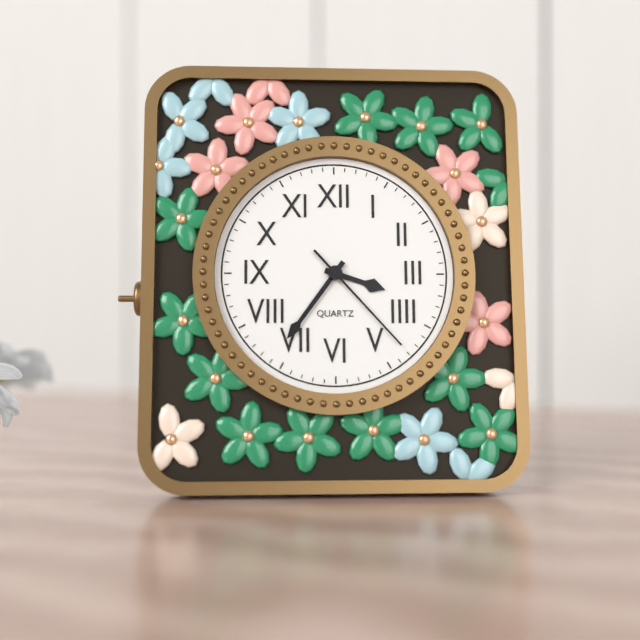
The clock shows 3:36:23
